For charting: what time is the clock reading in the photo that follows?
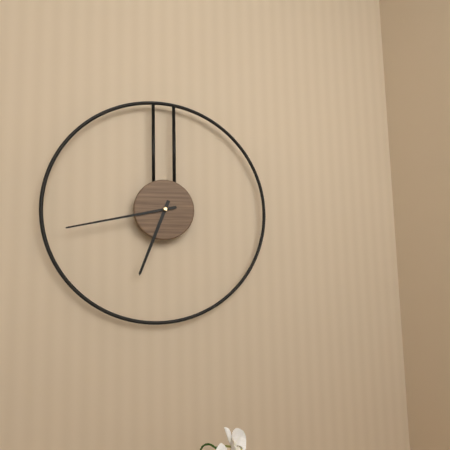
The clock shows 6:43
